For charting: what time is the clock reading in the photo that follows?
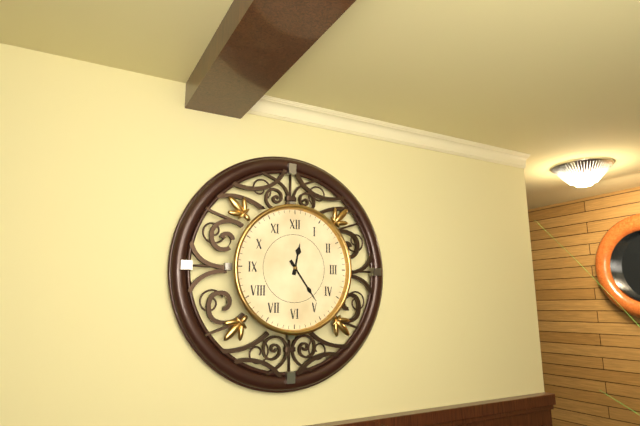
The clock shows 12:24
